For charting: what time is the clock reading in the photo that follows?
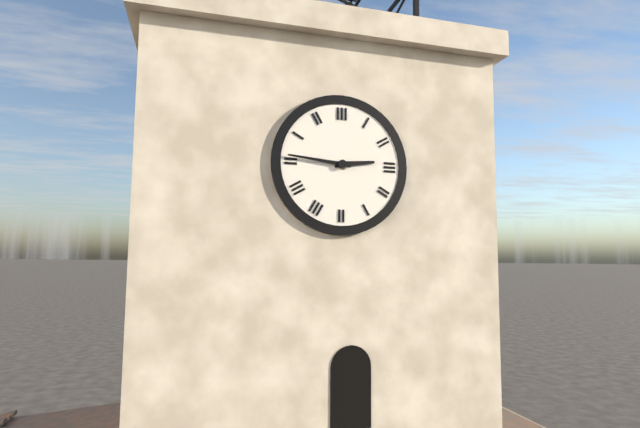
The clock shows 2:46
